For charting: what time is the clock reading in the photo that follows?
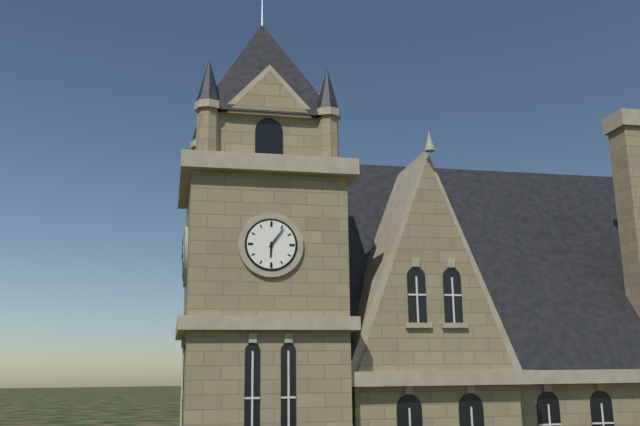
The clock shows 6:06
